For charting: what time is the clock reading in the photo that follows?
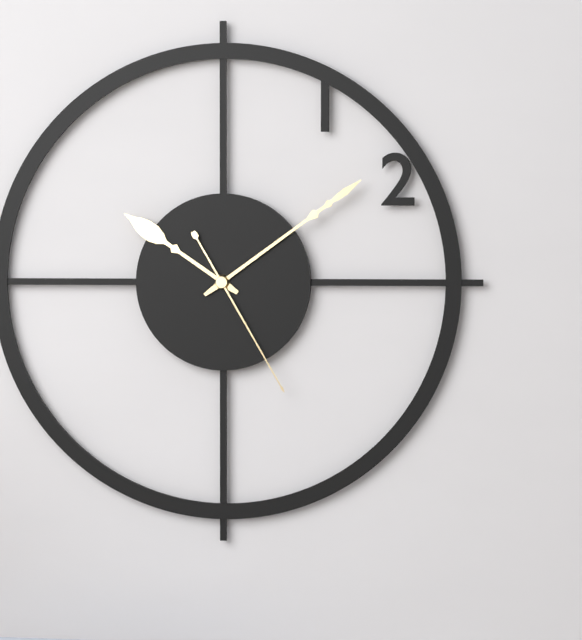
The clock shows 10:09:25
